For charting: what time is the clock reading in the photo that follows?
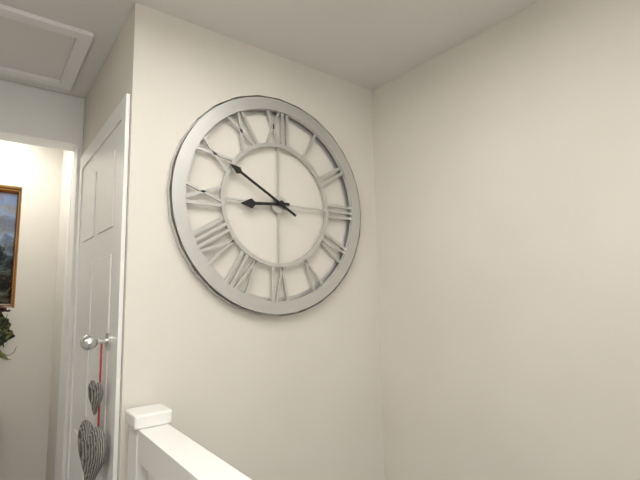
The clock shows 8:50
